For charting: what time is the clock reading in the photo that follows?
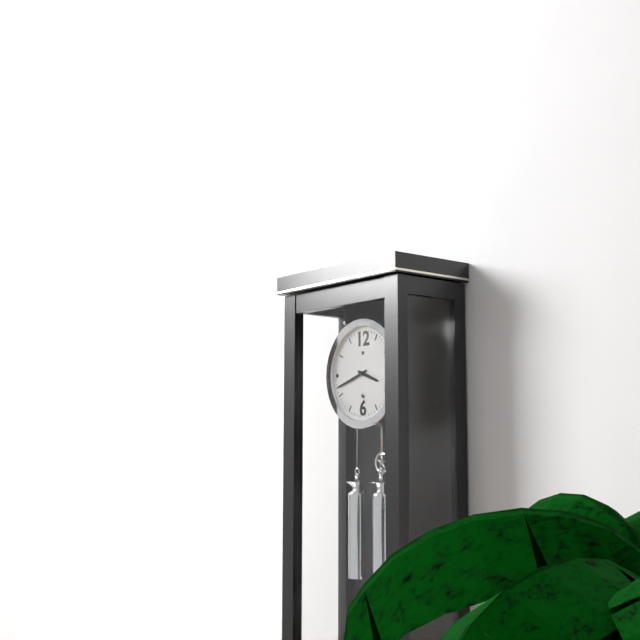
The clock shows 3:42
